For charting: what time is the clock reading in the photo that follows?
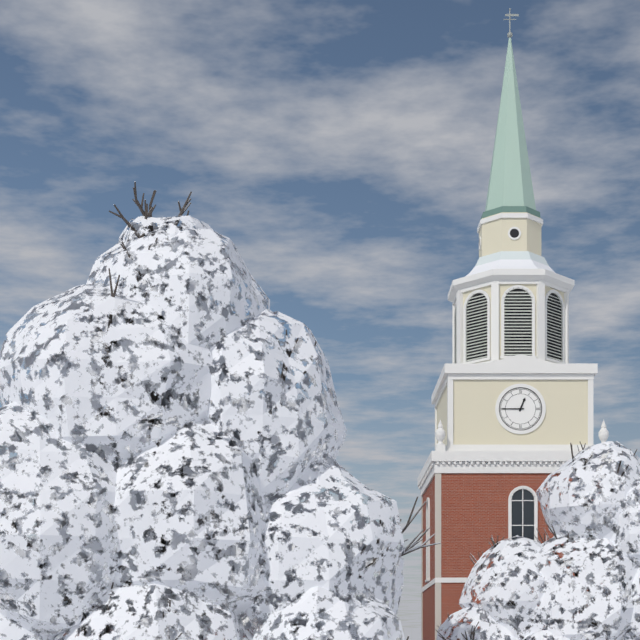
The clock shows 12:45
